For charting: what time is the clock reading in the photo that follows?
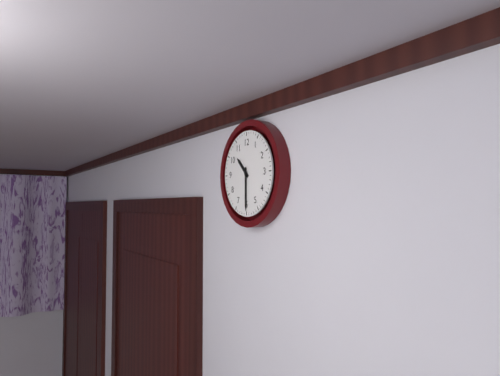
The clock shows 10:30
